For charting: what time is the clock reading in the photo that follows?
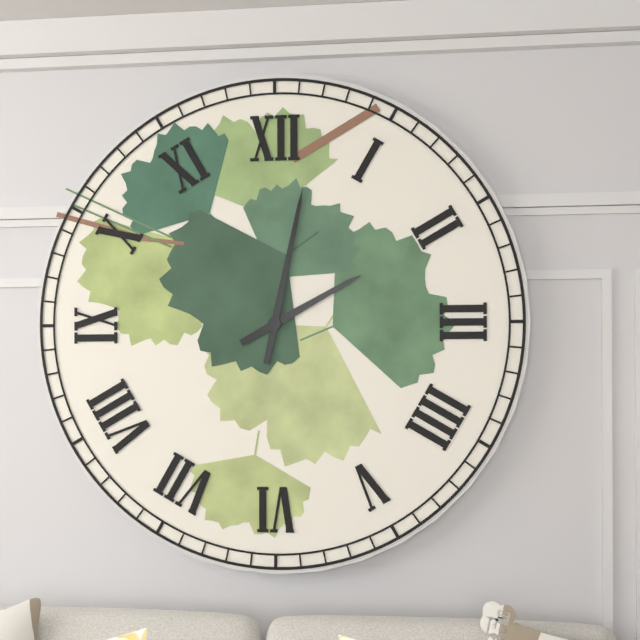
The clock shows 2:02
